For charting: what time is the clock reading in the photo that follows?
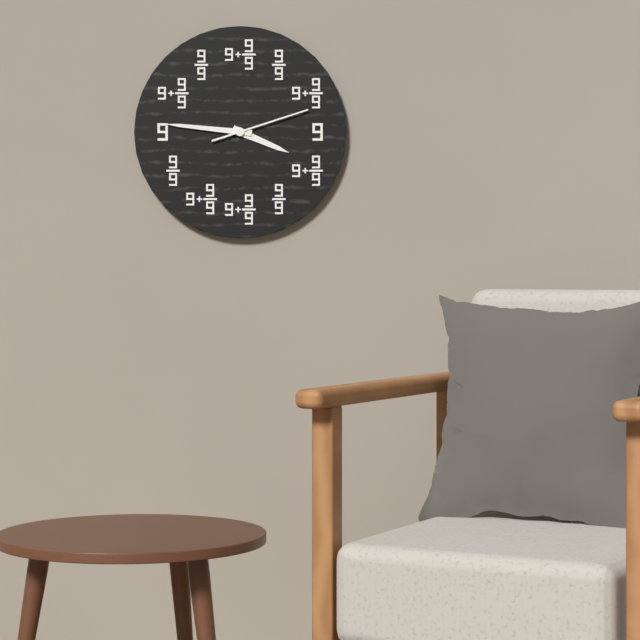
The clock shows 3:46:12
